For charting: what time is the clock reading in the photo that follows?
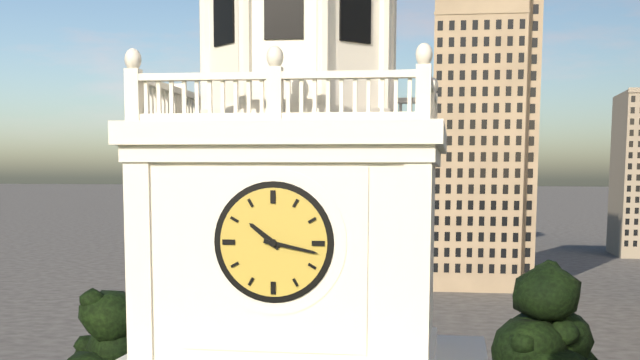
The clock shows 10:17
